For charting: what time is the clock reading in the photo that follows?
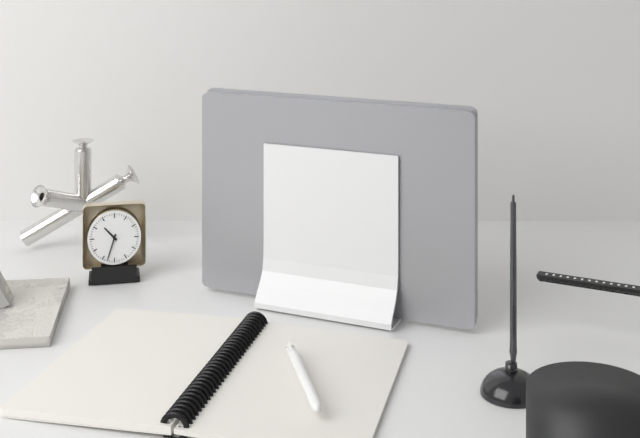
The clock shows 10:33
